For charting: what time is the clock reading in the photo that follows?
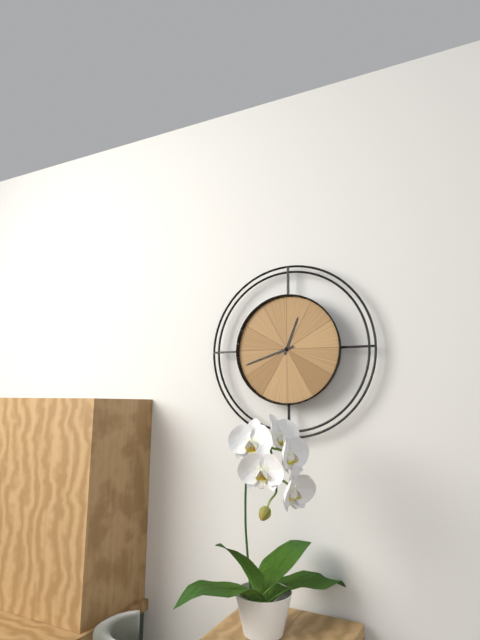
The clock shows 12:42
